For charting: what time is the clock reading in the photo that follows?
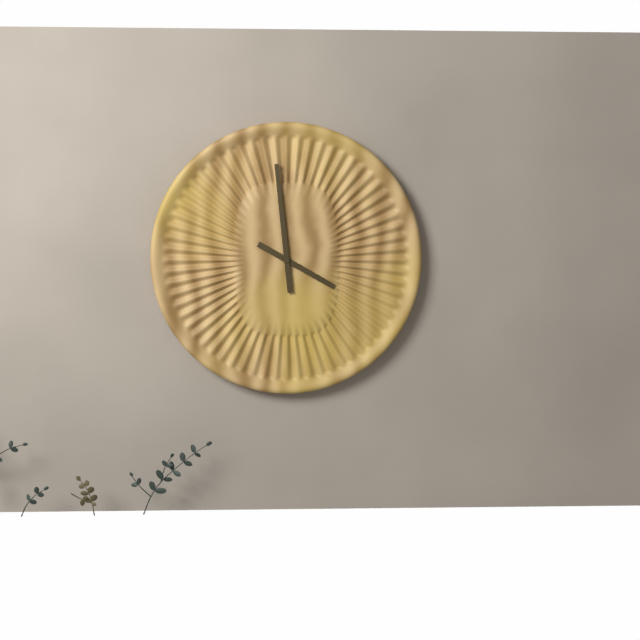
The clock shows 3:59
